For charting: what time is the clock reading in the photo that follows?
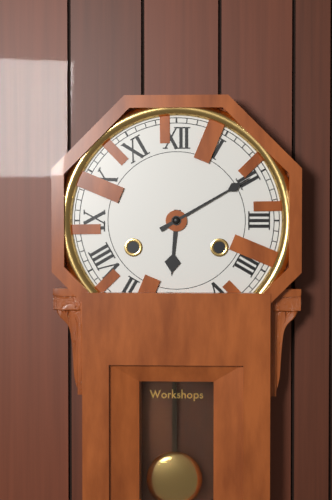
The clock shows 6:10
